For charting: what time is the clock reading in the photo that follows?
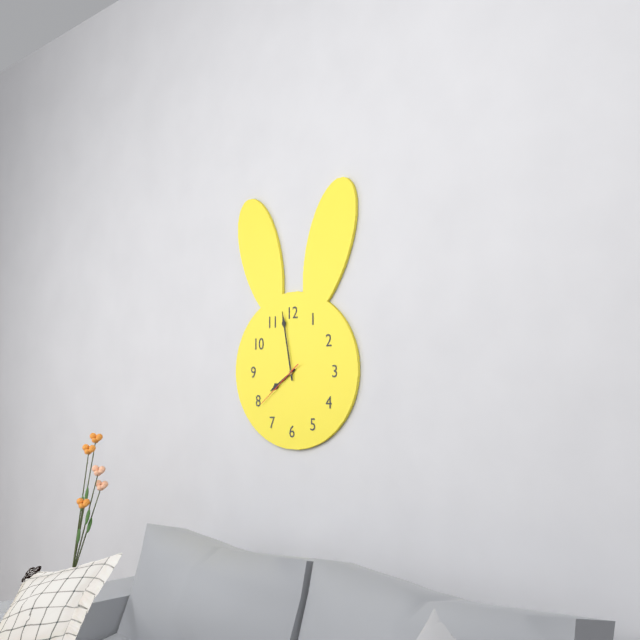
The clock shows 7:58:39
